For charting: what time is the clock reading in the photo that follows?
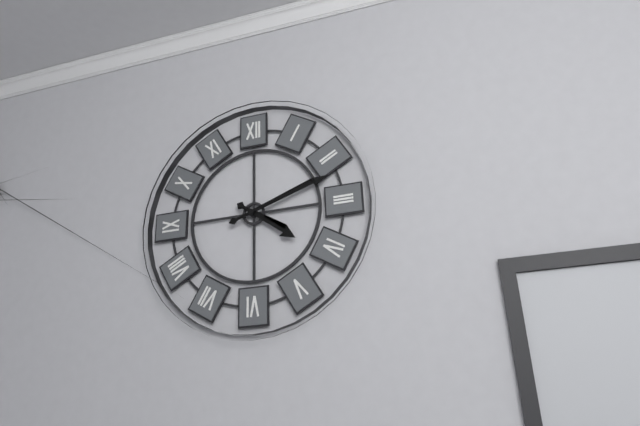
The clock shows 4:12
